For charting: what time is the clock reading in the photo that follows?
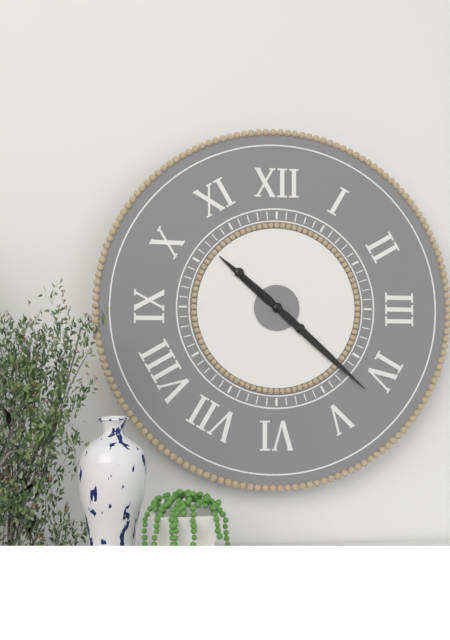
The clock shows 10:22
